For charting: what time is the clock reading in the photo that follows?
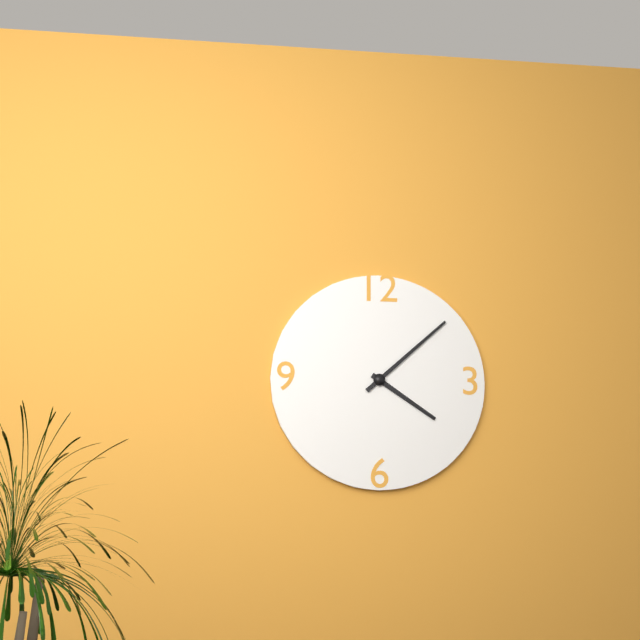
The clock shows 4:08
